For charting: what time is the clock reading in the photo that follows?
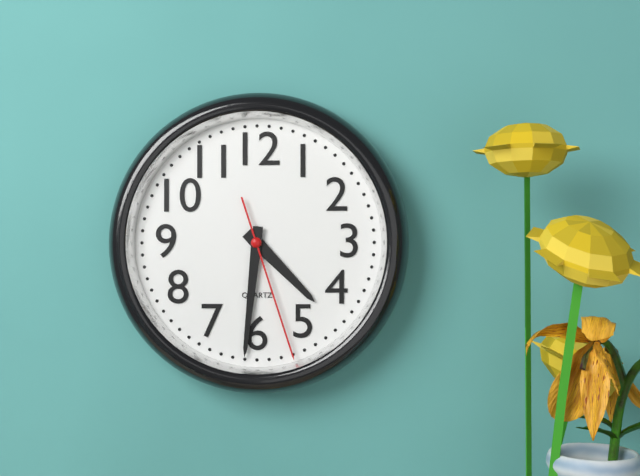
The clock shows 4:31:27
